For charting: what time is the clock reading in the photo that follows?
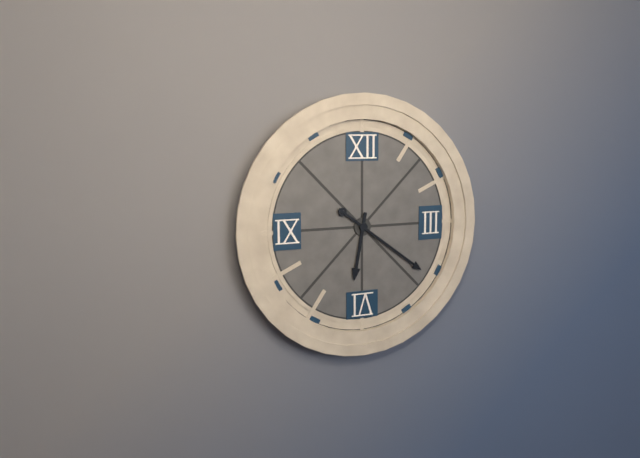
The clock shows 6:21
